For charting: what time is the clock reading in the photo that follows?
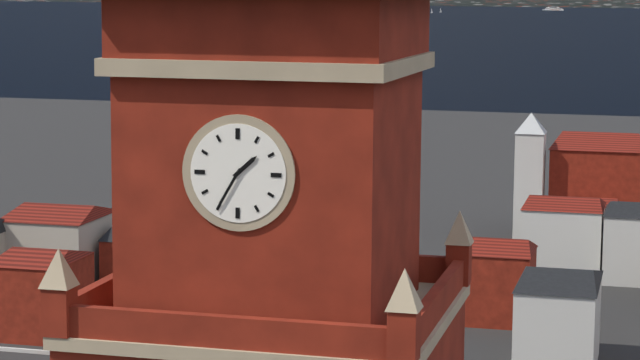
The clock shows 1:35
